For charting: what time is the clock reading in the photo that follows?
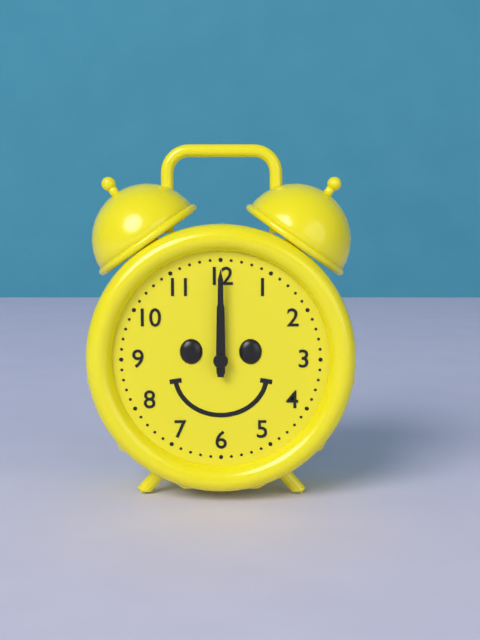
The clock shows 12:00
